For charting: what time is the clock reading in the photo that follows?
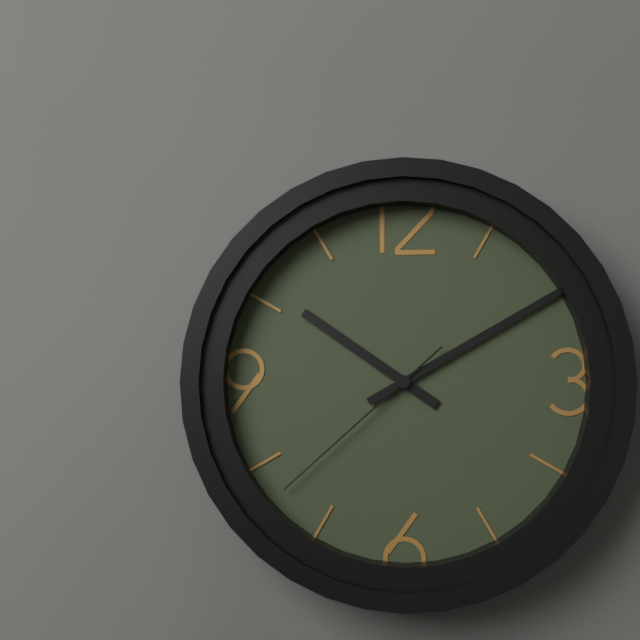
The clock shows 10:10:38
